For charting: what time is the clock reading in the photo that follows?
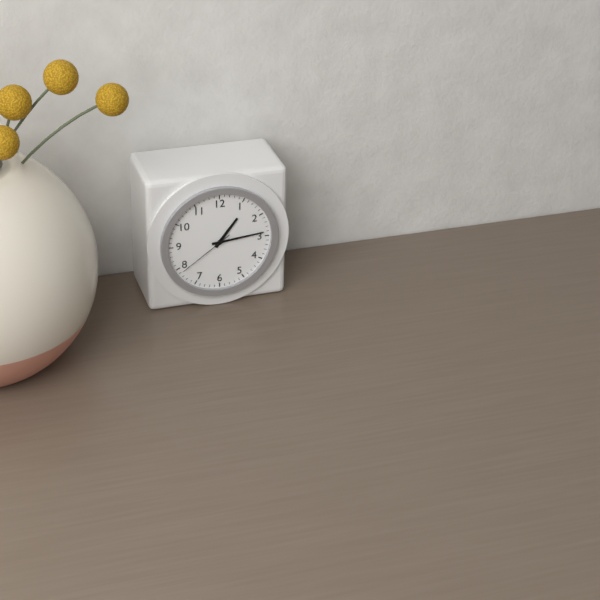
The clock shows 1:14:39
